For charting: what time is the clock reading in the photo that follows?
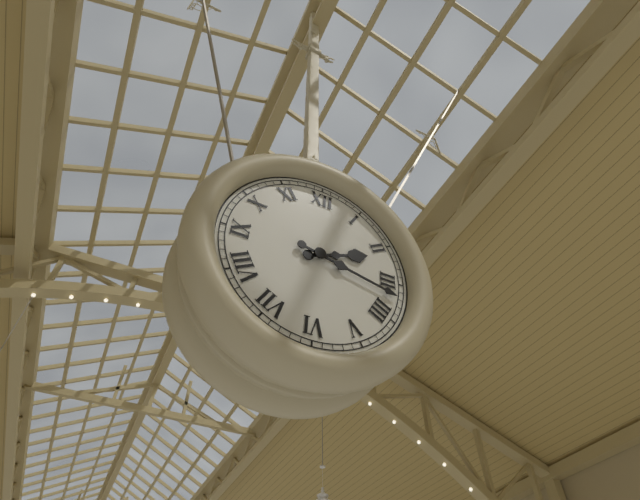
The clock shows 2:17
